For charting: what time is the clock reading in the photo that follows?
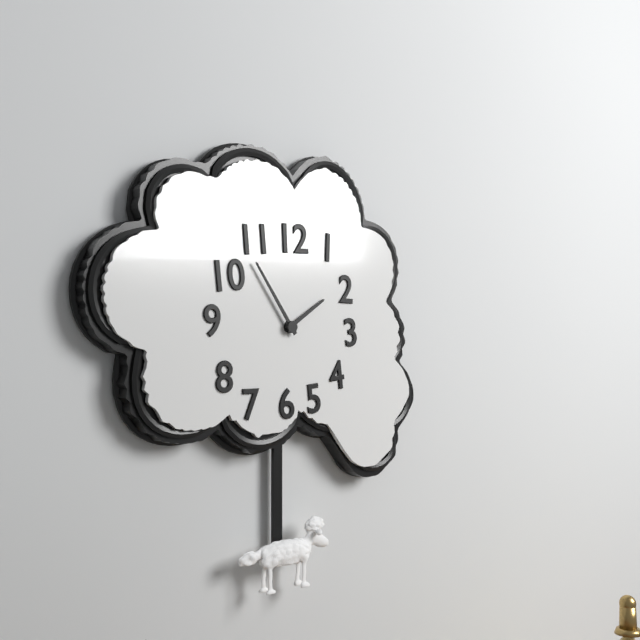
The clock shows 1:54
